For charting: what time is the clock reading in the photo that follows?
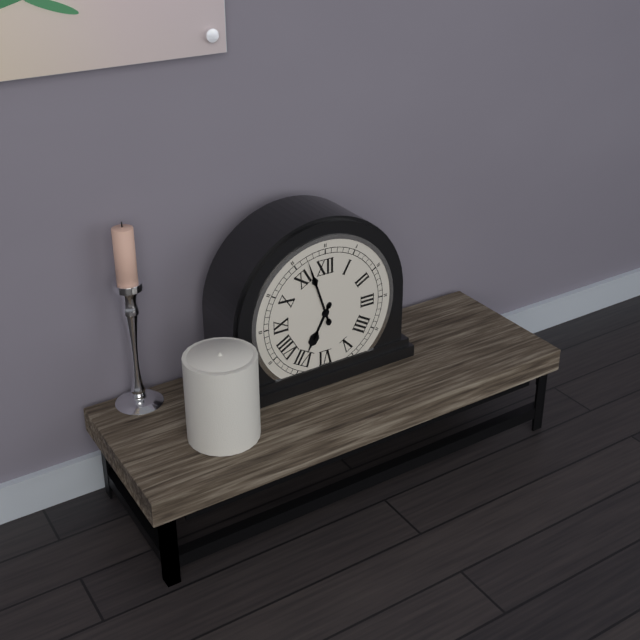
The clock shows 6:57
